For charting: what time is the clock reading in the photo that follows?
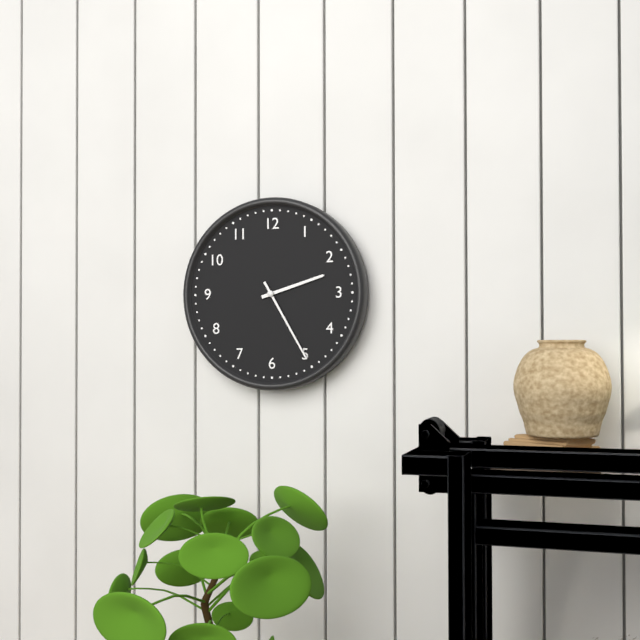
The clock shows 2:25
